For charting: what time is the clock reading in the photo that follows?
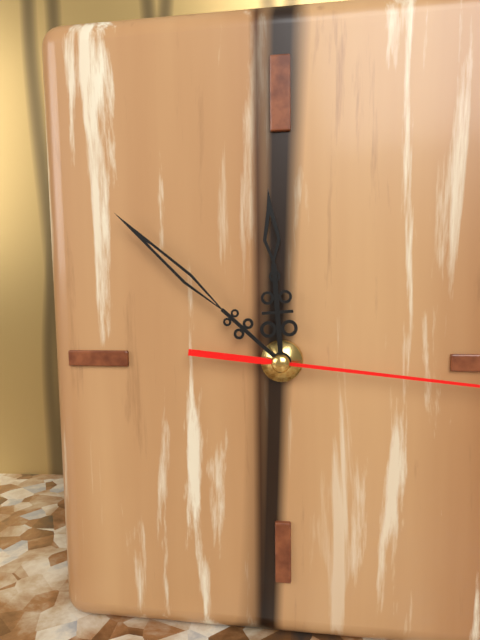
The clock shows 11:52
